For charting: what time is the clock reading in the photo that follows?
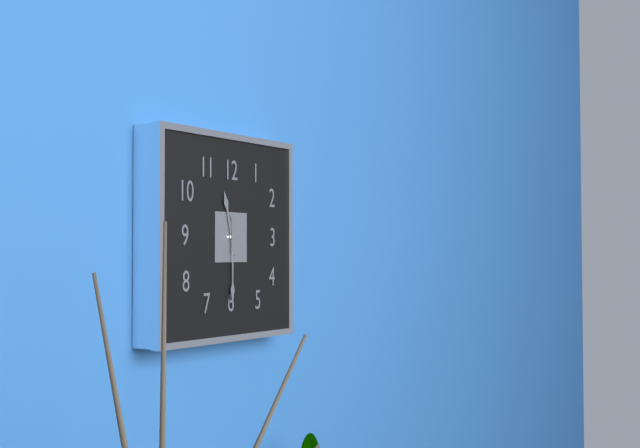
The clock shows 11:30
